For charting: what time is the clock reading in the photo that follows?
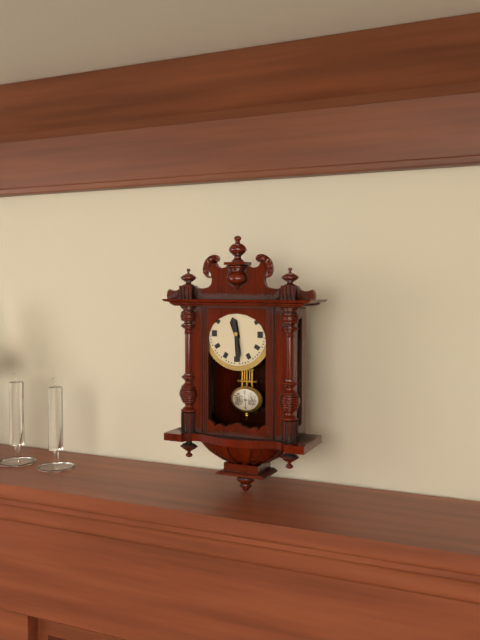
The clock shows 11:29
